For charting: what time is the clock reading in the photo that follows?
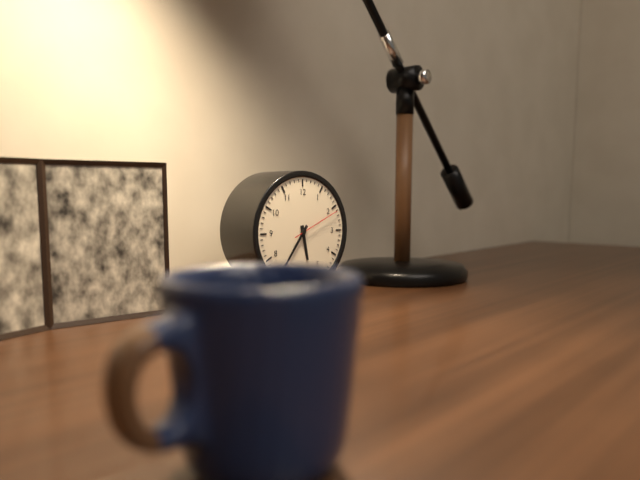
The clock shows 5:36:11
